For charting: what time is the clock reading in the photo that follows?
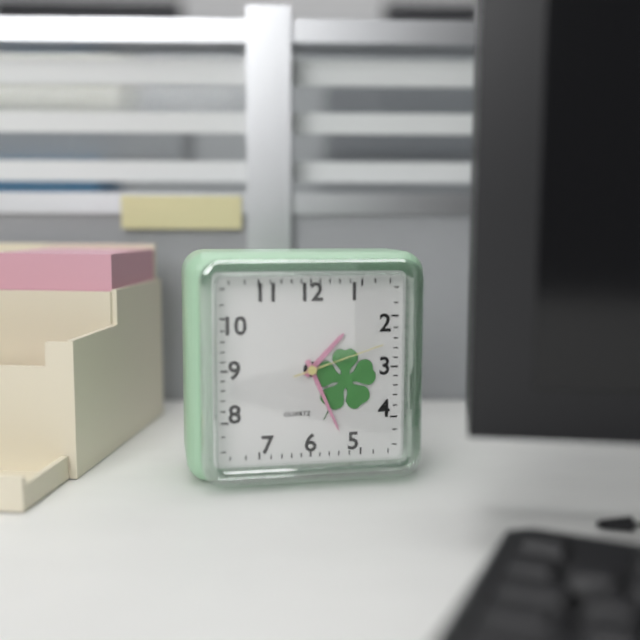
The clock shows 1:26:12
